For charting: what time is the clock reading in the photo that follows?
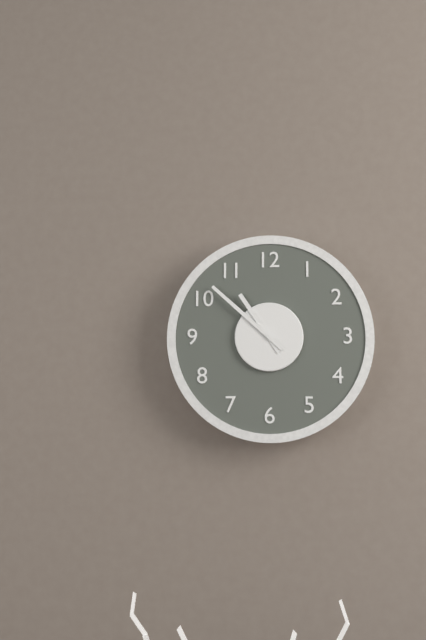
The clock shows 10:52
